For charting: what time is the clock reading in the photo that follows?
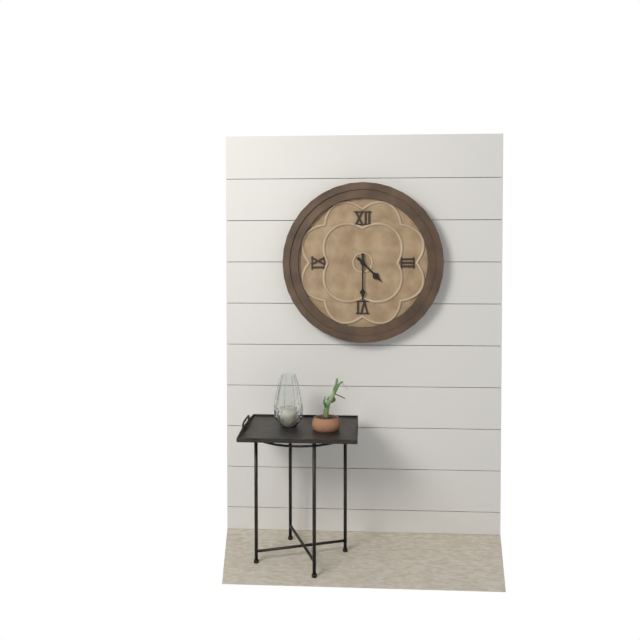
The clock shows 4:30
